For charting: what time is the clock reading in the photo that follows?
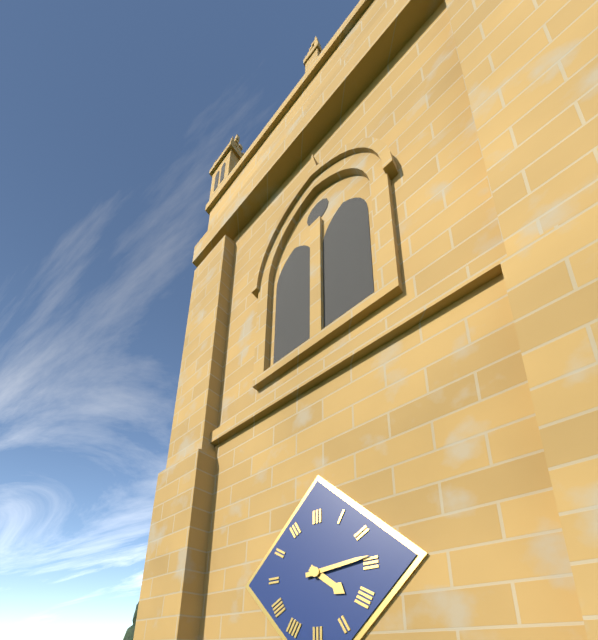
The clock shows 4:14
